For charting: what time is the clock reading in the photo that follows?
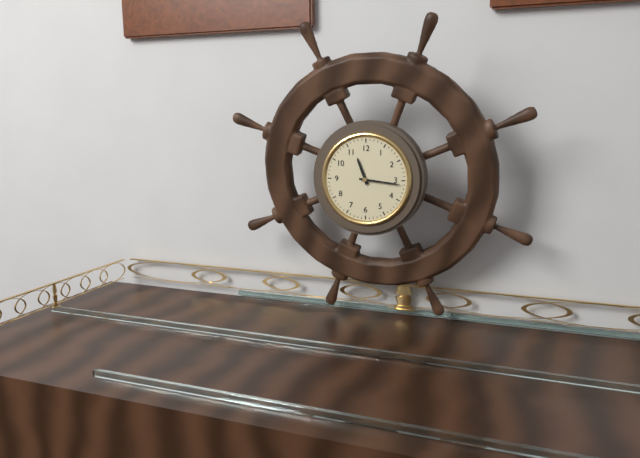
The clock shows 11:16
